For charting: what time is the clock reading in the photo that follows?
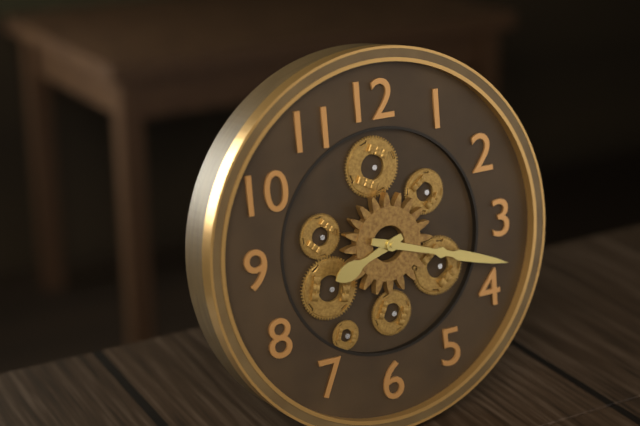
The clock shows 8:18
